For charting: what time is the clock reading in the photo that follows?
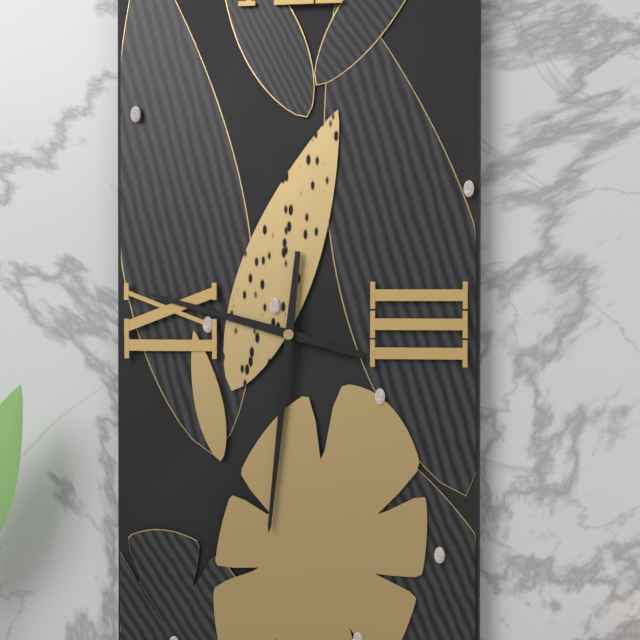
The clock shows 9:31
